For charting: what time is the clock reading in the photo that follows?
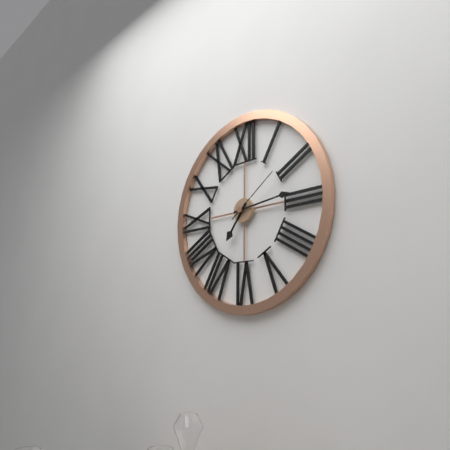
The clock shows 7:14:09
